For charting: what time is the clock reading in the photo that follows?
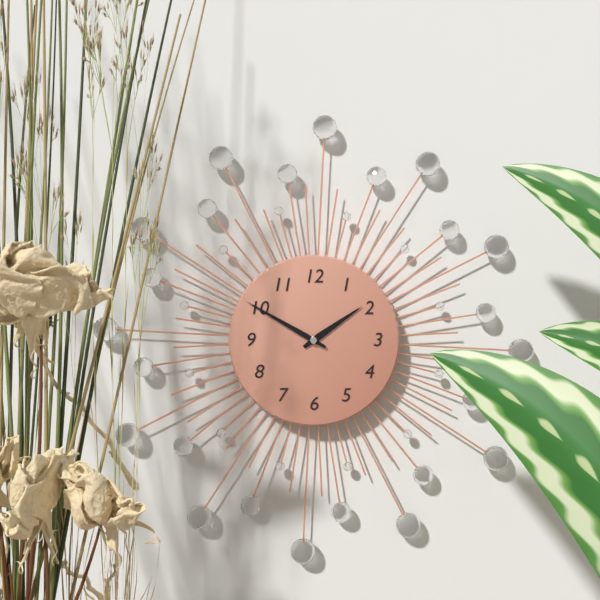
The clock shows 1:50
